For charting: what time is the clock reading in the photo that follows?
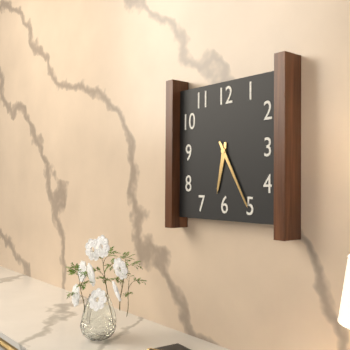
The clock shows 6:25
